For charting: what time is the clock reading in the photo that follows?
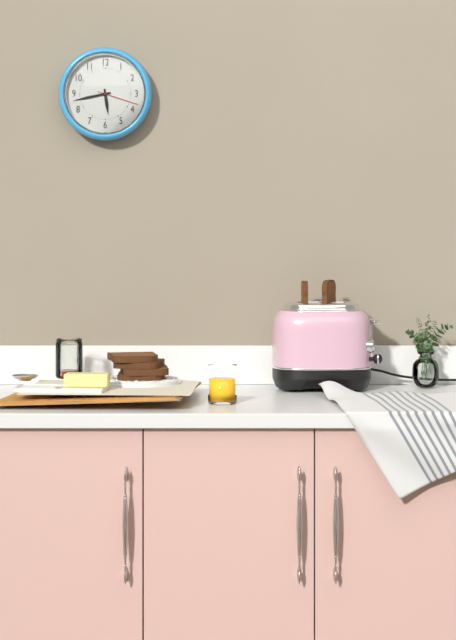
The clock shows 5:43
